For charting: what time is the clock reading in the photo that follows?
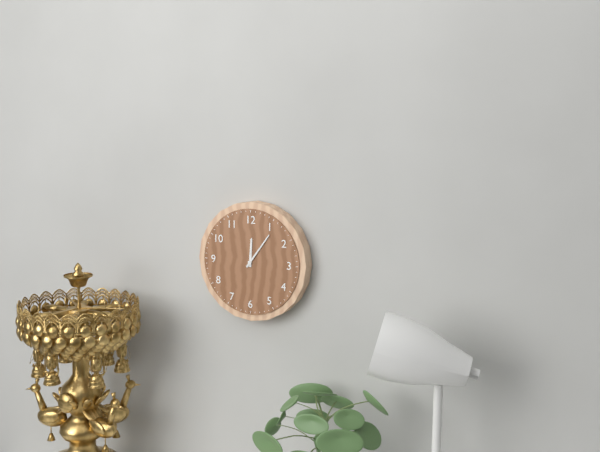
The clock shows 12:06
